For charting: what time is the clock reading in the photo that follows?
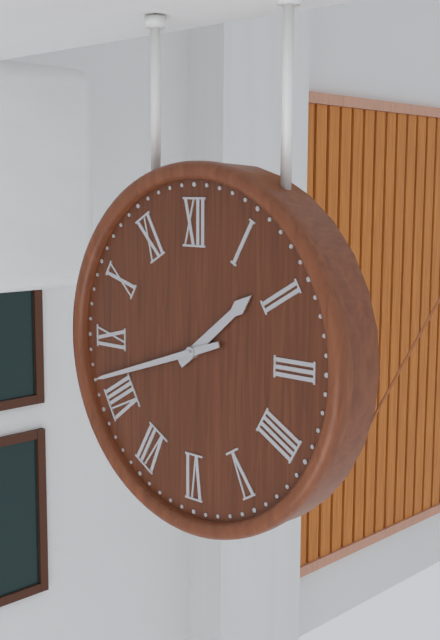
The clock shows 1:42
